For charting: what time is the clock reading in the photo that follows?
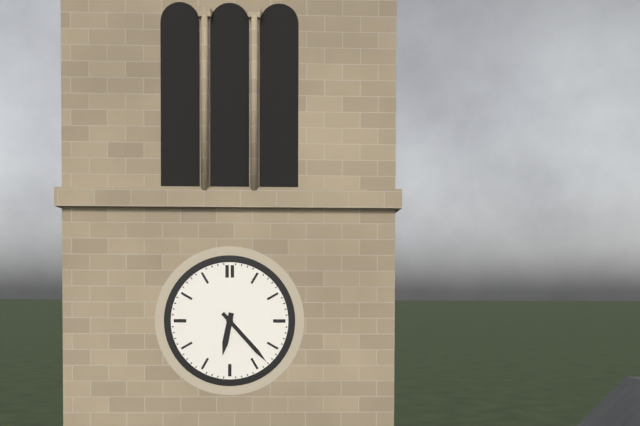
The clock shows 6:23
